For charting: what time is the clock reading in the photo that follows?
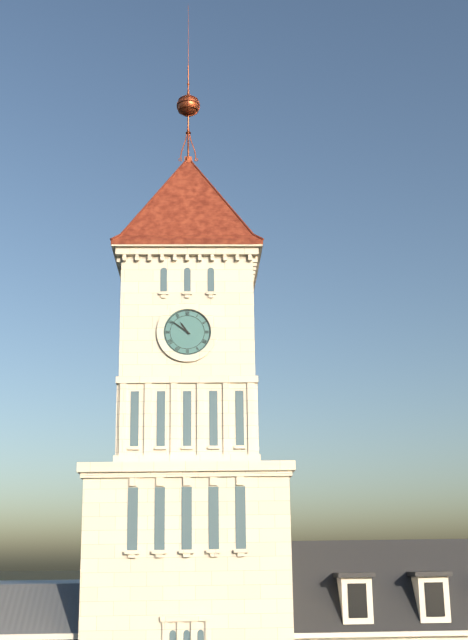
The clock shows 10:51
